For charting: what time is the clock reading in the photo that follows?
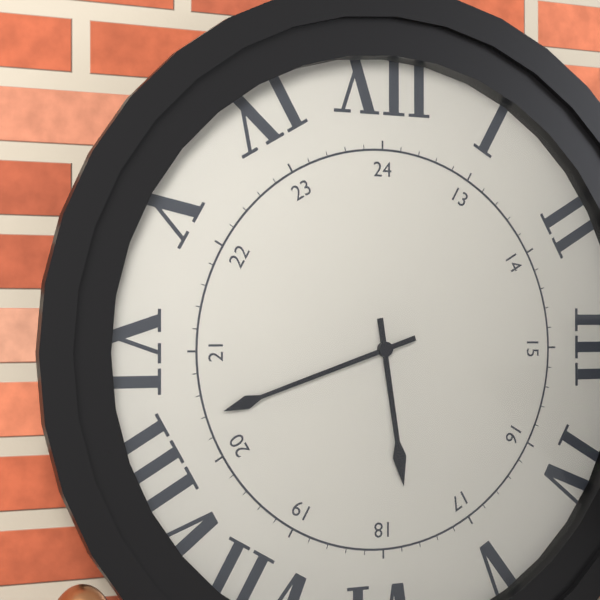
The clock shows 5:42
